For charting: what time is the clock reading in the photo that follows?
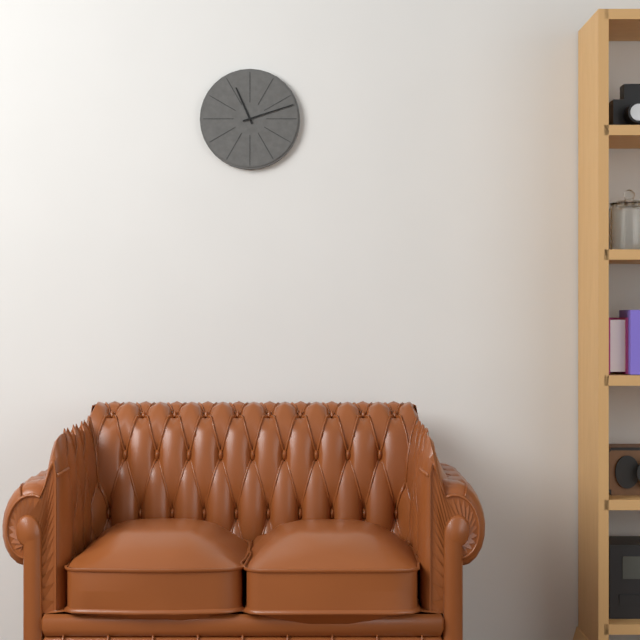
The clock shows 11:12
